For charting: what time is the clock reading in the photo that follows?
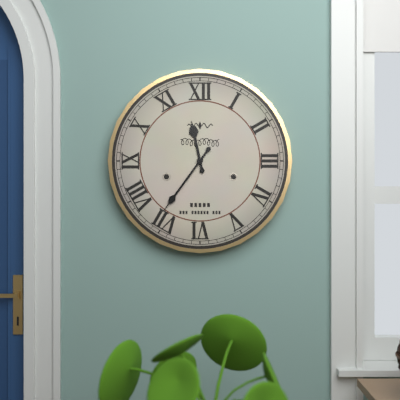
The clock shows 11:36
